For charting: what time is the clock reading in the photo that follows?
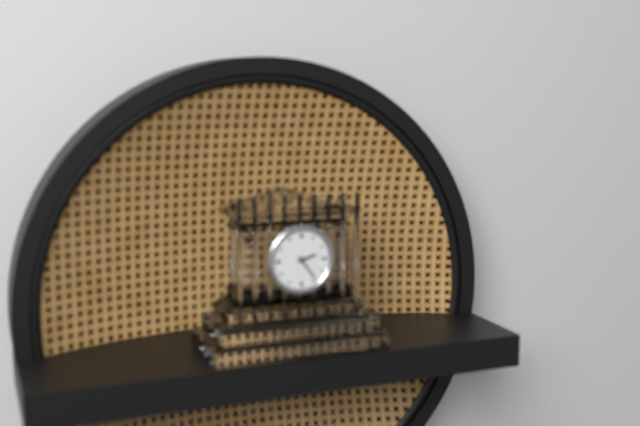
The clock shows 2:24
